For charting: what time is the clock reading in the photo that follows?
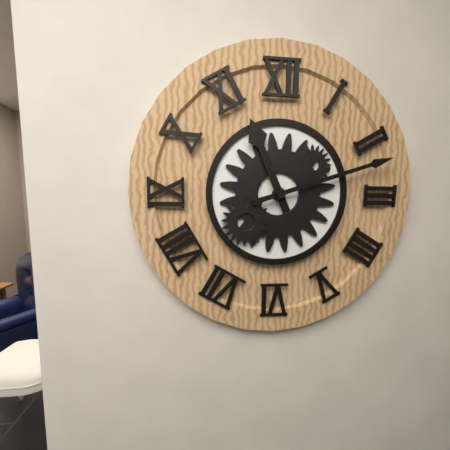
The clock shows 11:12
